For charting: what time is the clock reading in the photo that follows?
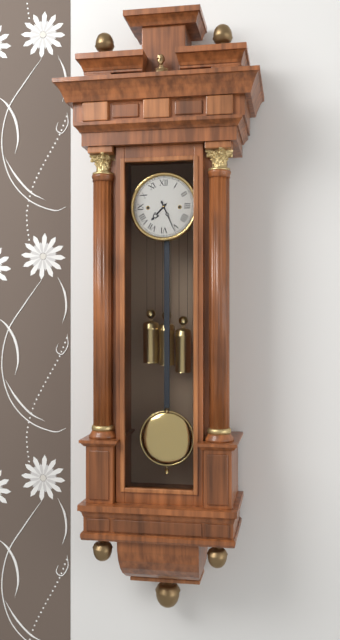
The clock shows 7:26
